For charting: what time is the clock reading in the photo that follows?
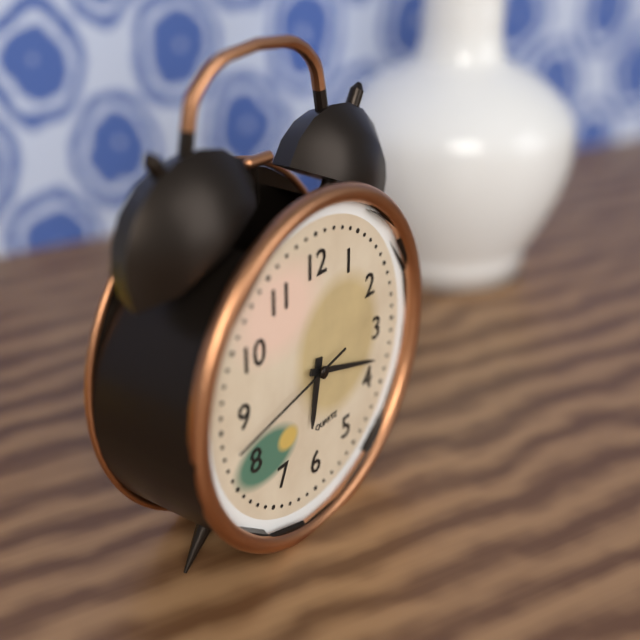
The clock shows 6:18:43
